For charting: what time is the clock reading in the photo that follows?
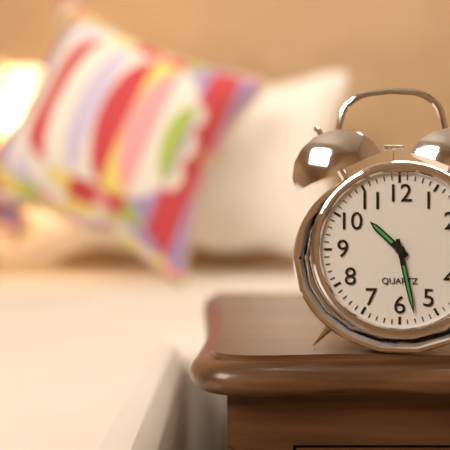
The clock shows 10:28
